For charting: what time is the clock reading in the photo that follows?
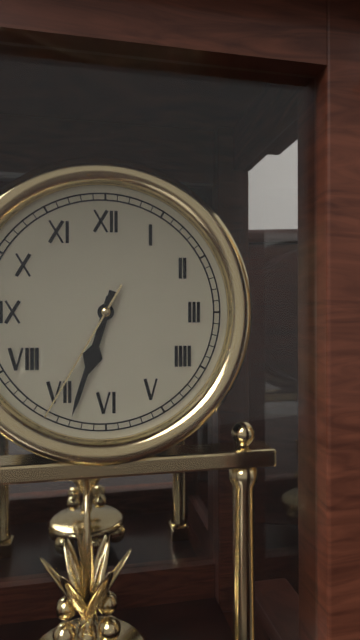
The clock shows 6:33:35
